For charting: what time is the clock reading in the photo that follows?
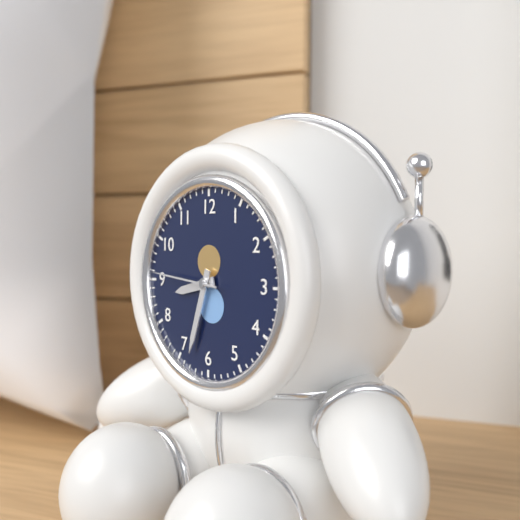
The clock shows 8:33:46
